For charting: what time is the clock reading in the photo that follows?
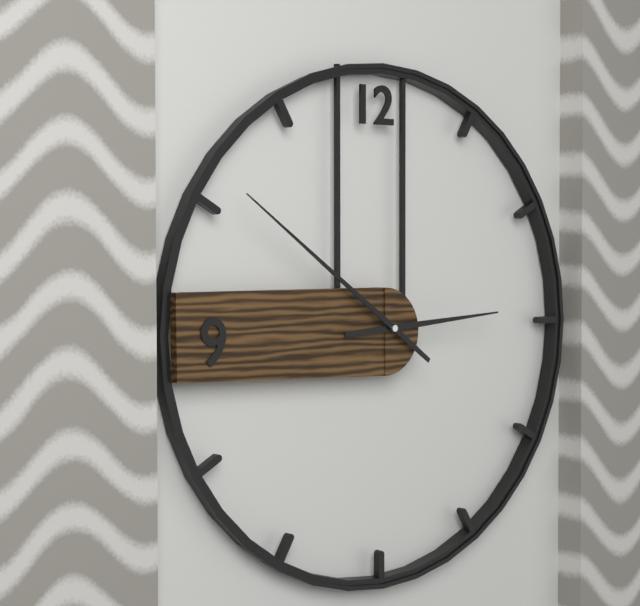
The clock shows 2:51
